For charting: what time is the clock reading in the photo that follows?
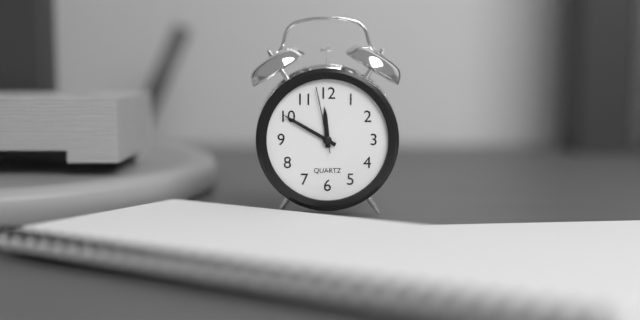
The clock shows 11:50:58
